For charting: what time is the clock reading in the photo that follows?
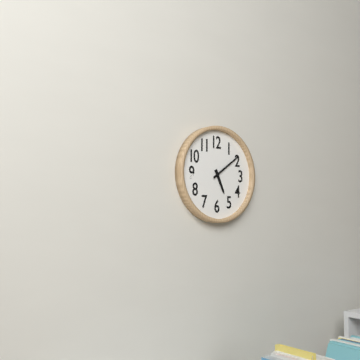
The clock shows 5:09
